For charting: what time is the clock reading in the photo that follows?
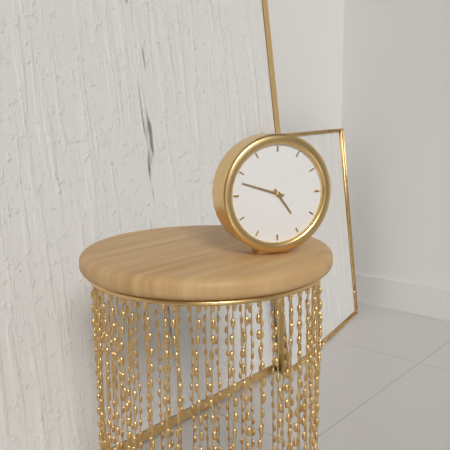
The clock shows 4:48
